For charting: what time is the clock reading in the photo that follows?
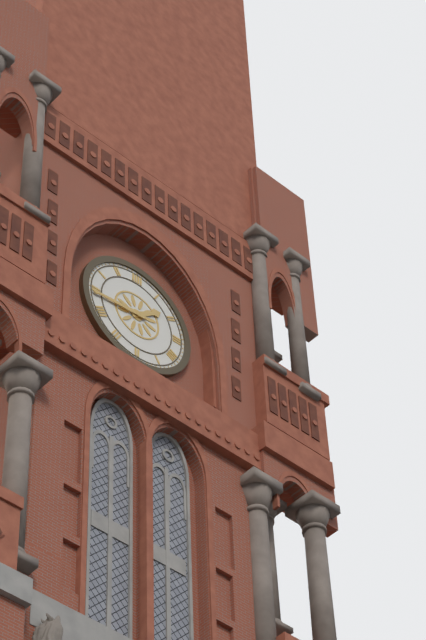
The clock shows 1:44
